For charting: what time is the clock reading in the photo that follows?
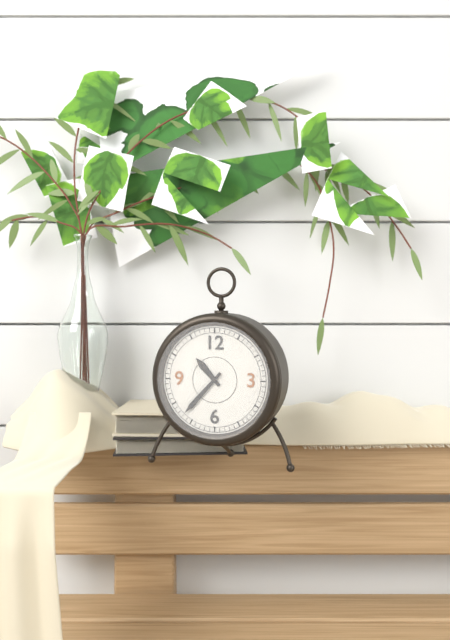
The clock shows 10:37
